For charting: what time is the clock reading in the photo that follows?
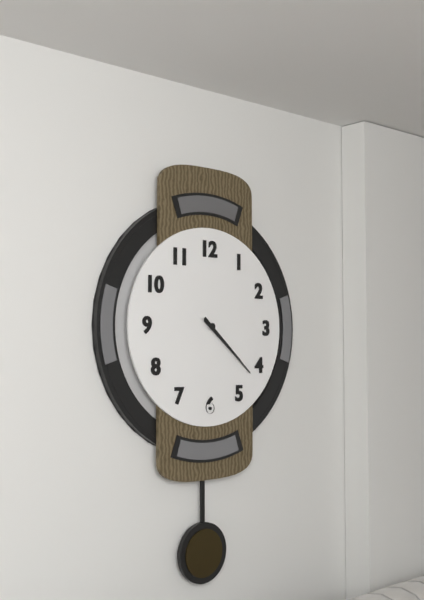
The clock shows 4:22
